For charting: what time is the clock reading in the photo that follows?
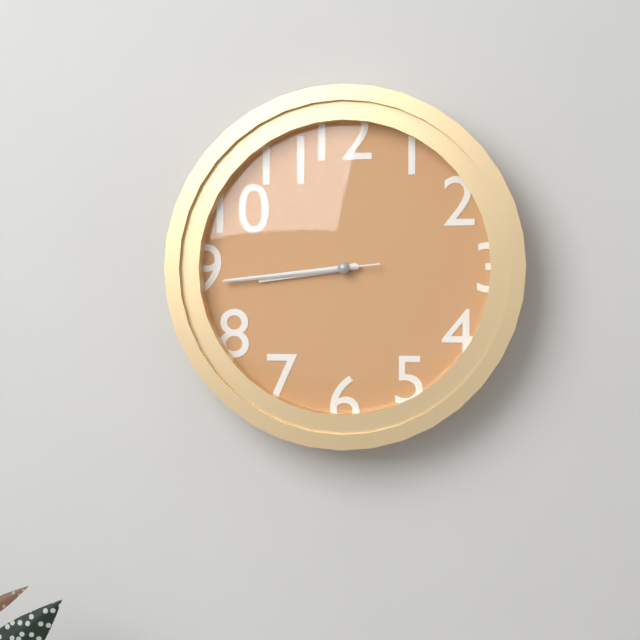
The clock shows 8:44:44
